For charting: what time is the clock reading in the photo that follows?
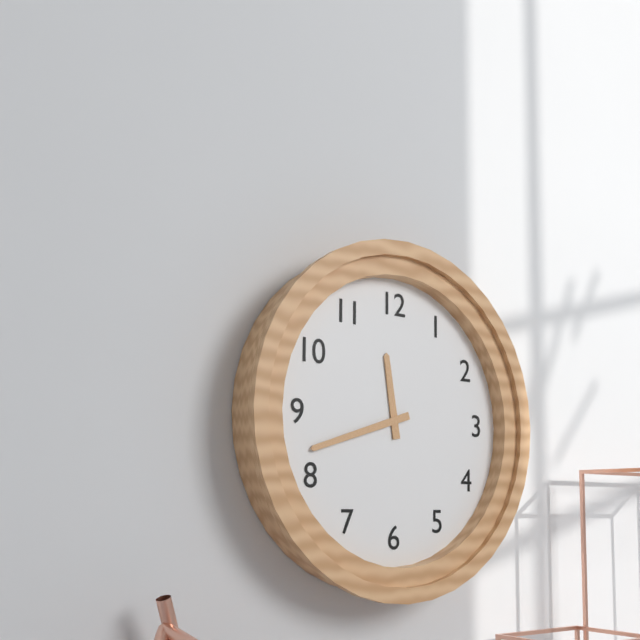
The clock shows 11:42
